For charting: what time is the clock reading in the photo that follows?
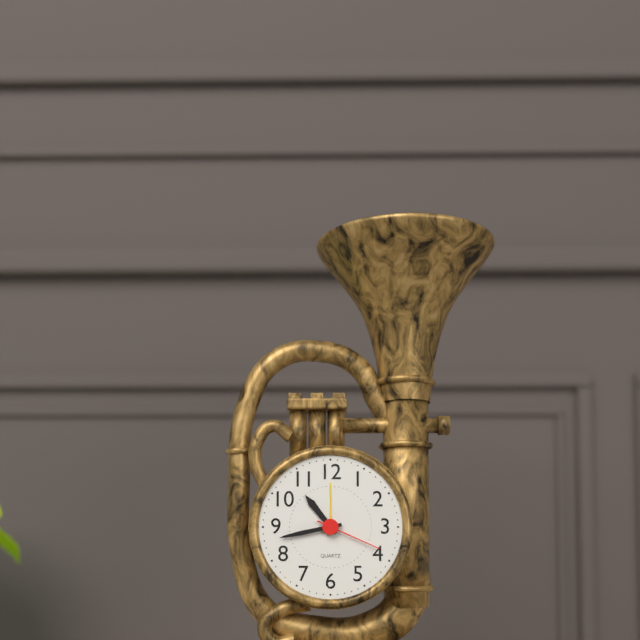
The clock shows 10:43:19
